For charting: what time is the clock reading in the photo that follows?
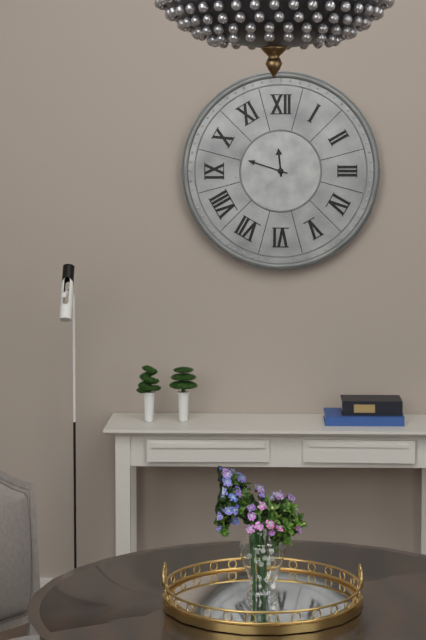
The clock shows 11:48
